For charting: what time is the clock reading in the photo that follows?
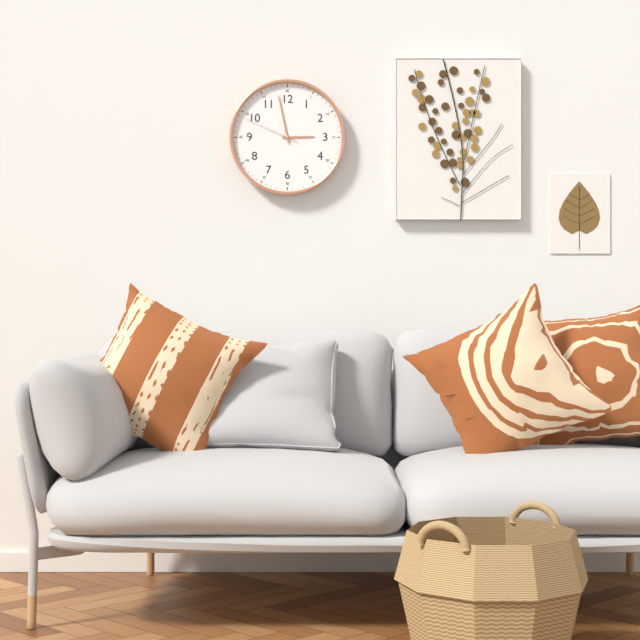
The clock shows 2:58:49
